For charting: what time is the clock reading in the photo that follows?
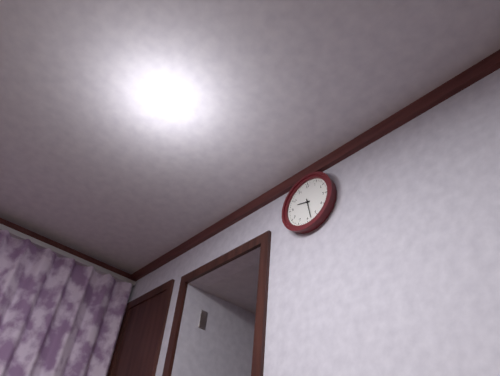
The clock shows 9:28
